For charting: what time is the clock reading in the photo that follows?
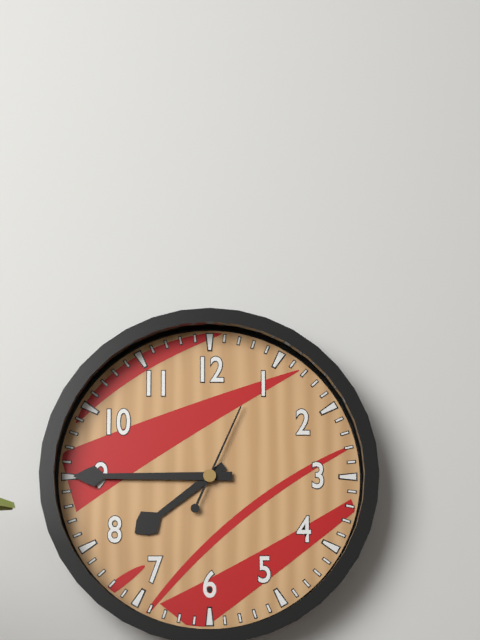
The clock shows 7:45:04
